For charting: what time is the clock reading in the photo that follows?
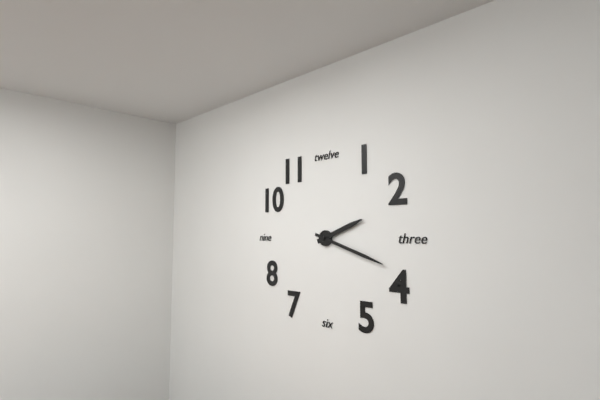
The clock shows 2:18
